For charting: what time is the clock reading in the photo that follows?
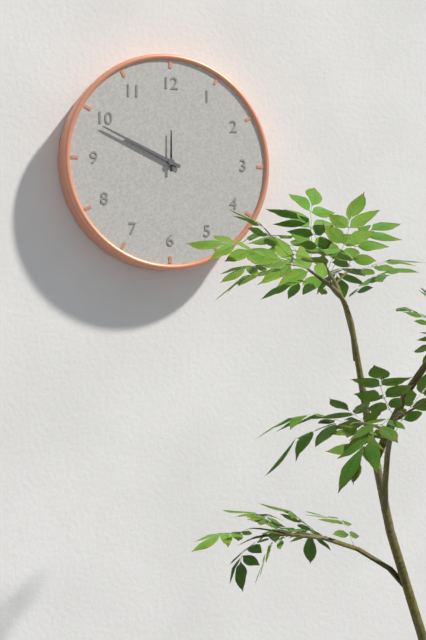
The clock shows 9:49
